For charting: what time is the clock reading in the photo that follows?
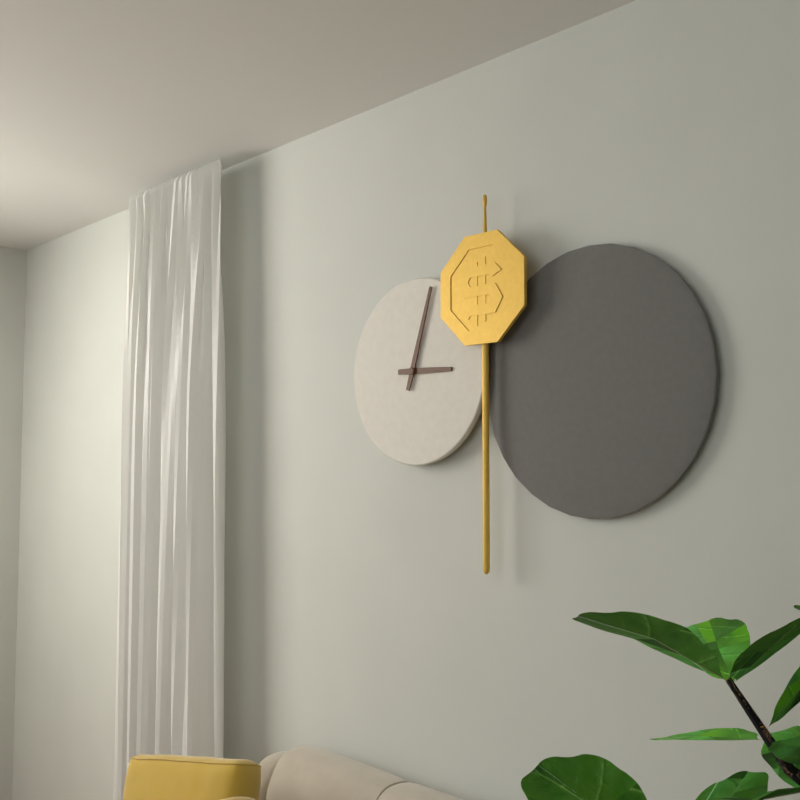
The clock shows 3:03
